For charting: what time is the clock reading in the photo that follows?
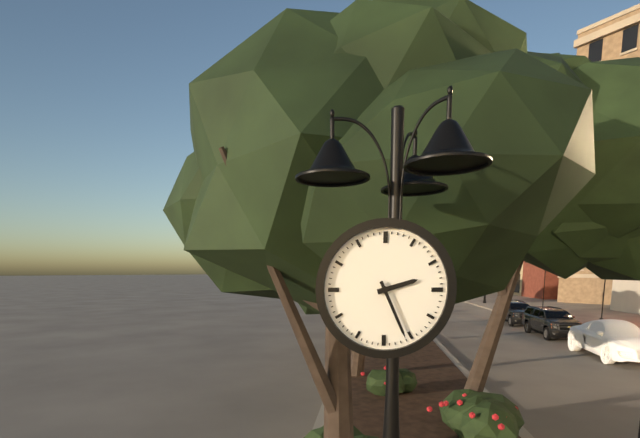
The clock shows 2:26
